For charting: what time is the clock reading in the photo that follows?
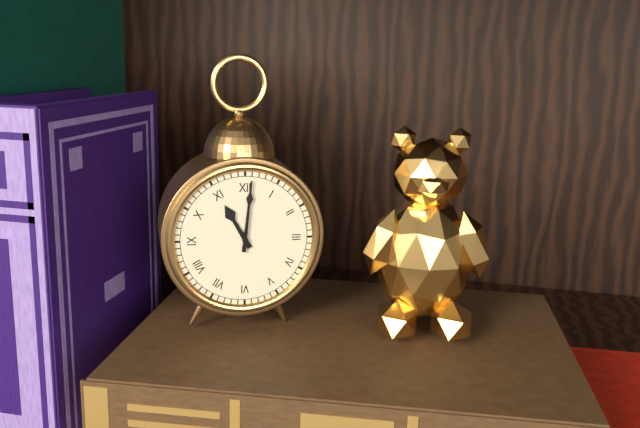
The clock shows 11:01
